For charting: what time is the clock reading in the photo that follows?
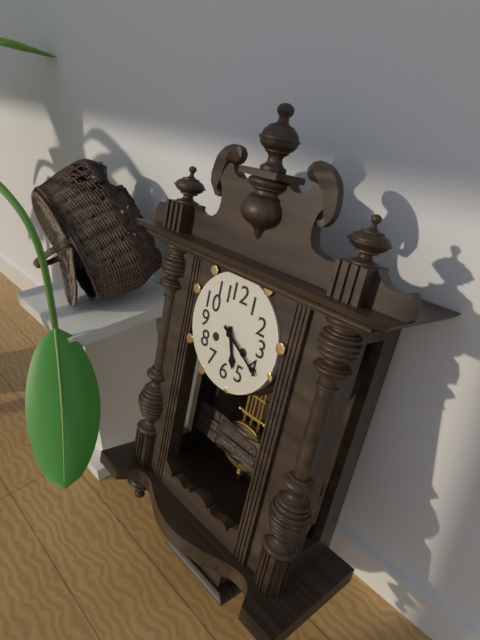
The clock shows 5:20
